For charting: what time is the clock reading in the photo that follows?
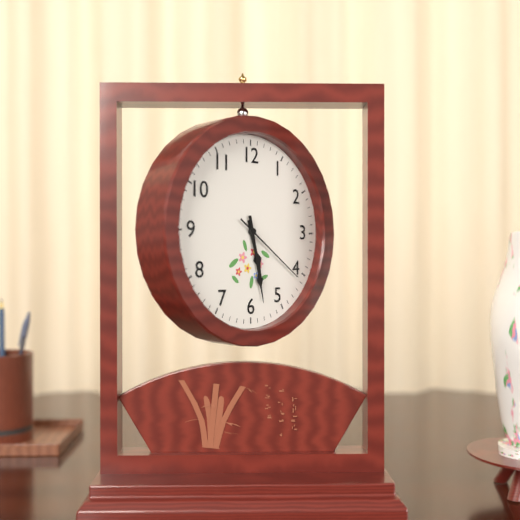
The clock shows 5:28:21
